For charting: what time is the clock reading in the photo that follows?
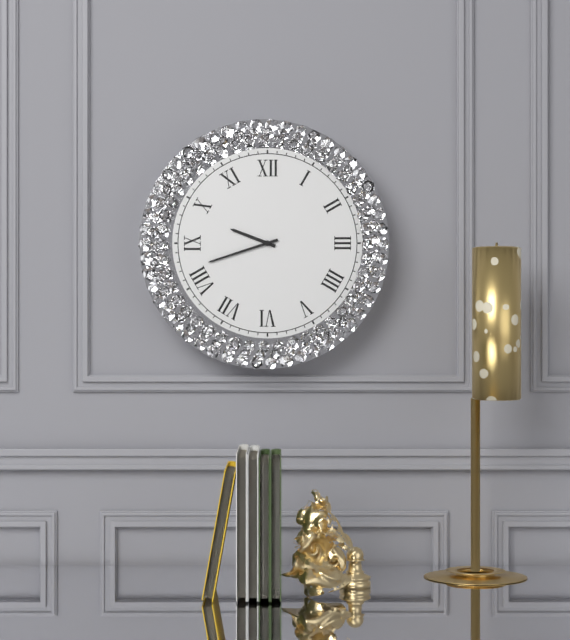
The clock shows 9:42
